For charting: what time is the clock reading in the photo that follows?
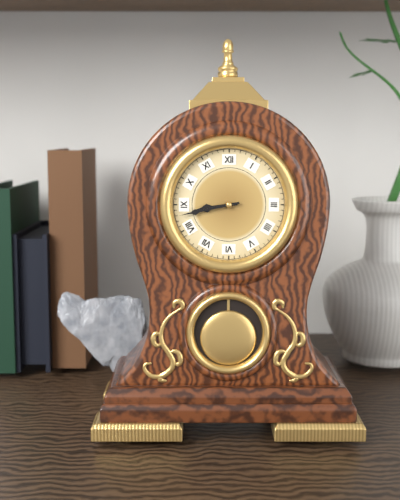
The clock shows 8:43
